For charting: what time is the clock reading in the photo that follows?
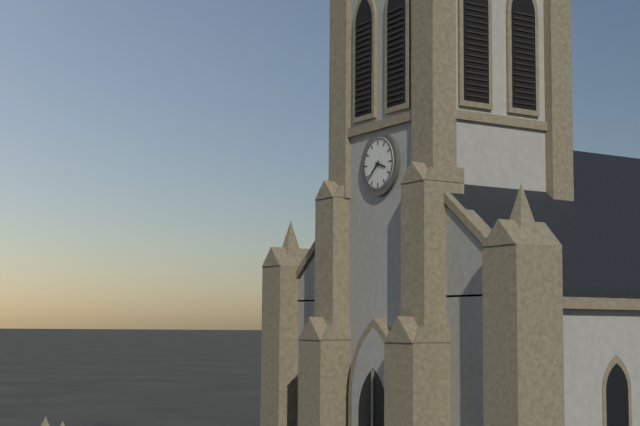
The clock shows 3:38
